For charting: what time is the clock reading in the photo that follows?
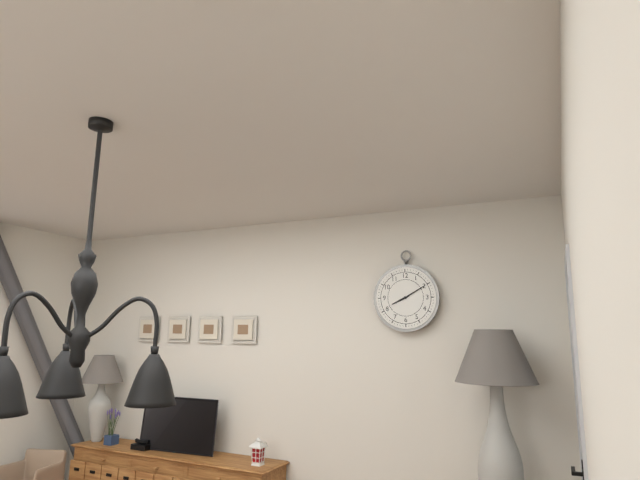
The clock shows 8:10
